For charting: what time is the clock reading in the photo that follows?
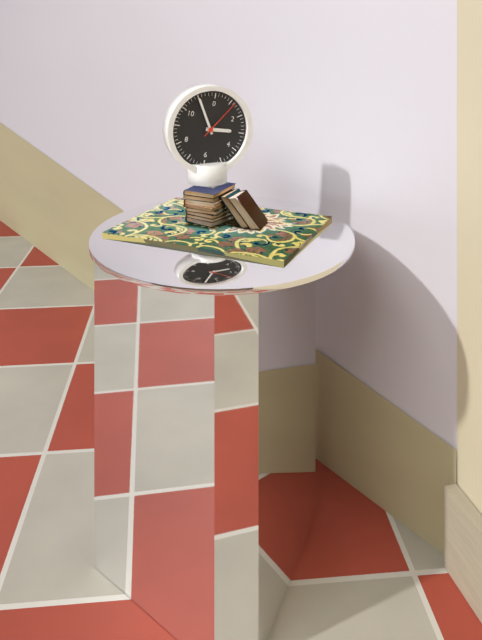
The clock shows 2:55
